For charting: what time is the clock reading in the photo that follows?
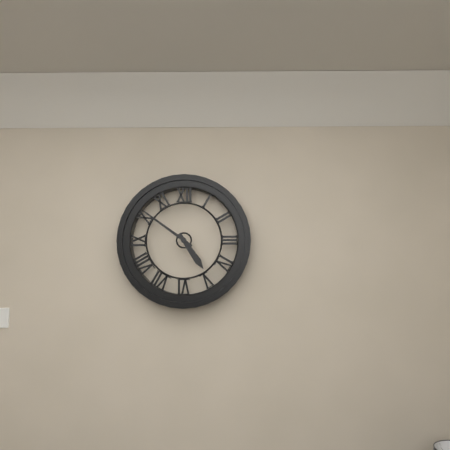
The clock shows 4:51
